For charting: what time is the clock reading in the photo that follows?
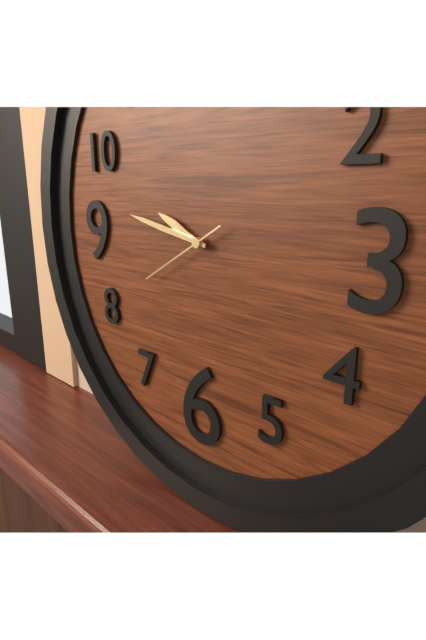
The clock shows 9:47:40
